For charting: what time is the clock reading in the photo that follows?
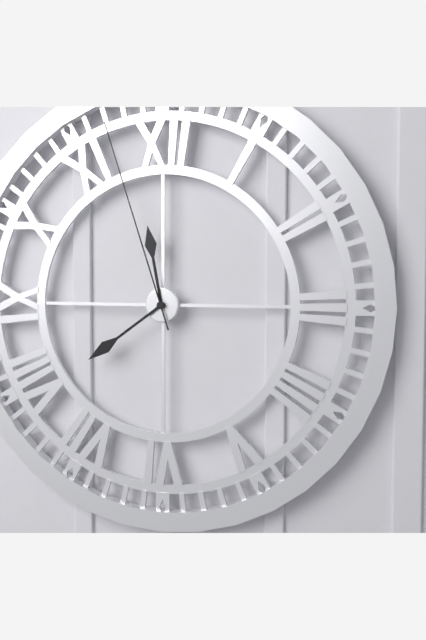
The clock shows 11:39:57
